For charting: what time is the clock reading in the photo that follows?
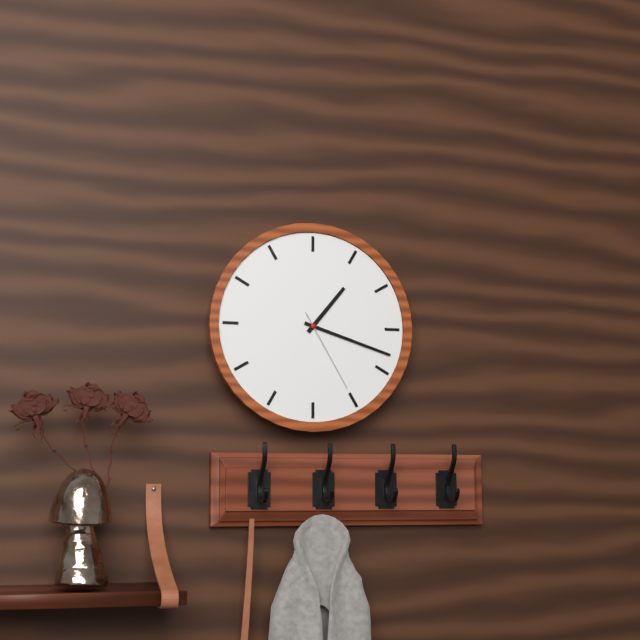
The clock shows 1:18:25
